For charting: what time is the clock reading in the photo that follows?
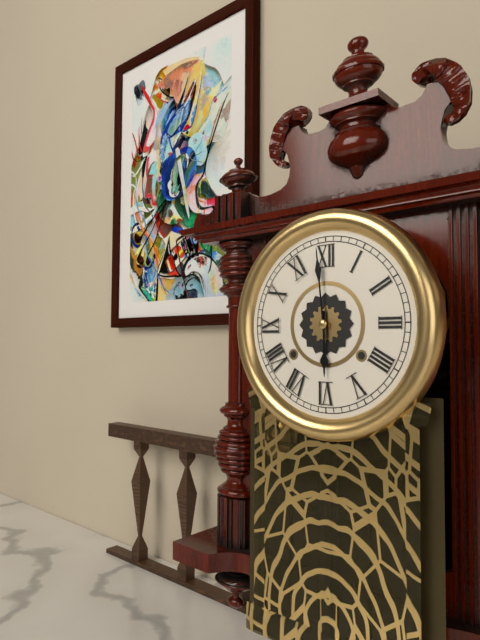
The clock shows 5:59
